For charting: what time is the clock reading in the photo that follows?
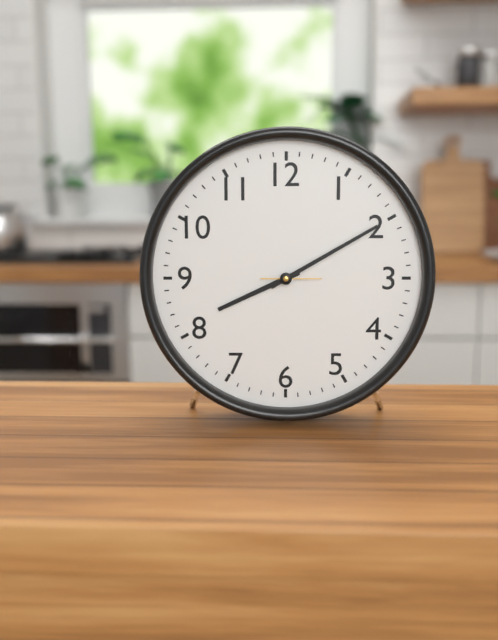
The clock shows 8:10
